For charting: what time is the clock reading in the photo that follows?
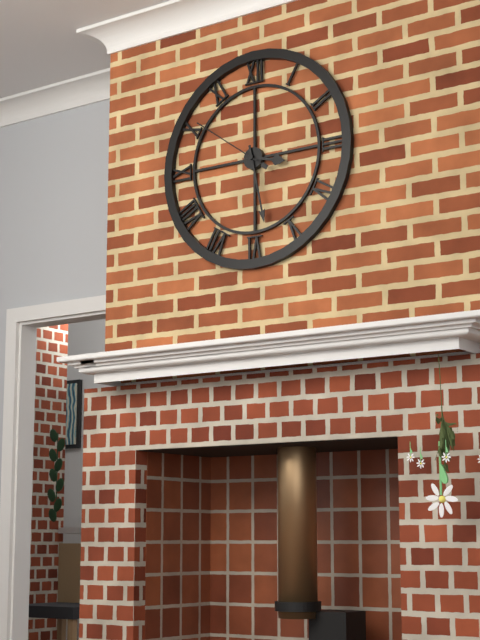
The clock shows 3:28:51
